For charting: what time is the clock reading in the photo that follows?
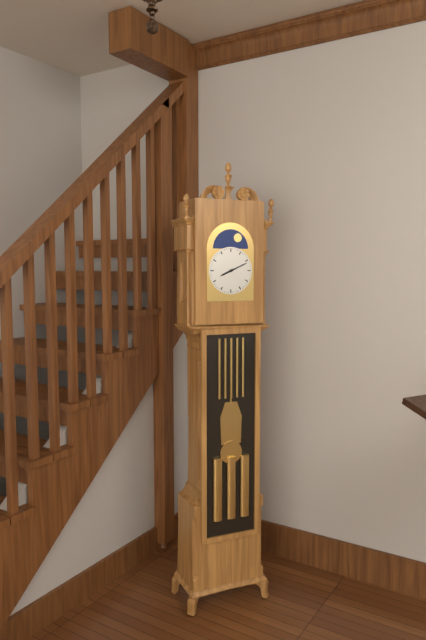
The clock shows 8:11
